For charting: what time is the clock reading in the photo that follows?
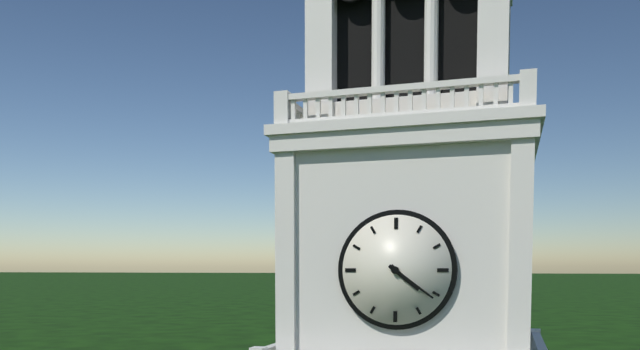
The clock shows 4:21
